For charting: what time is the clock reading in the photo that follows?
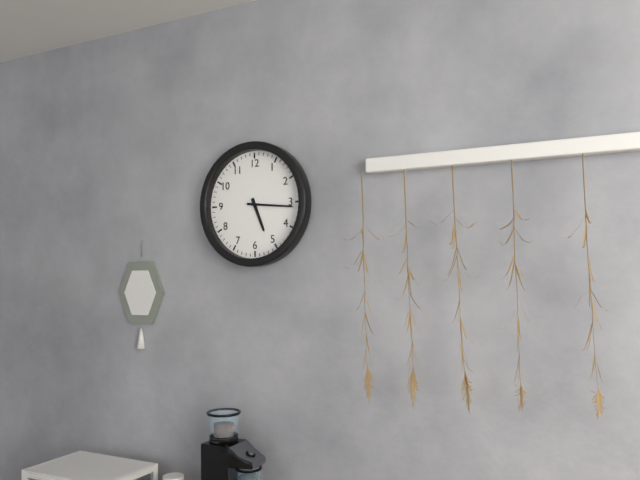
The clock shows 5:16
